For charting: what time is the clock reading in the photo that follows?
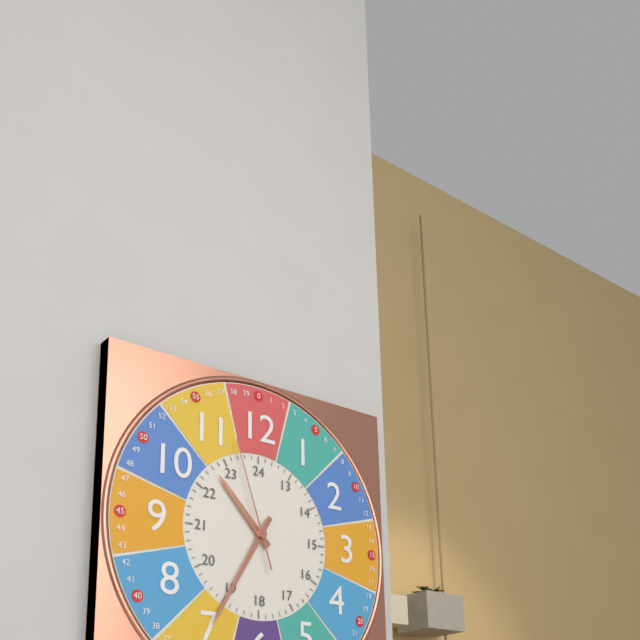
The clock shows 10:35:57
